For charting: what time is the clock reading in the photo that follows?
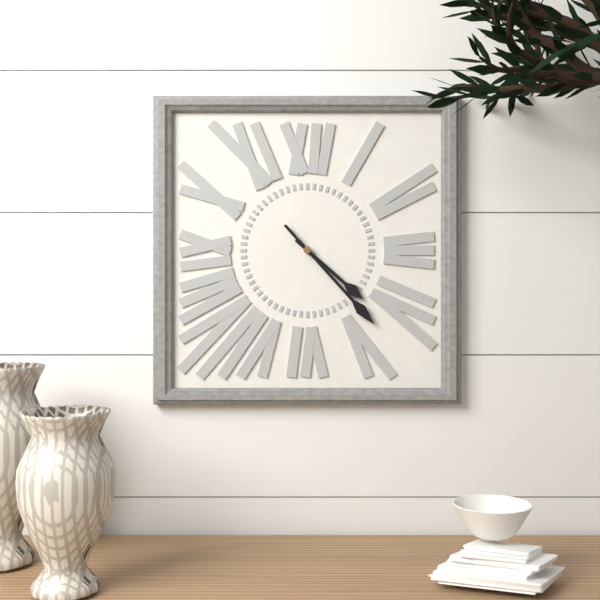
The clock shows 4:23
